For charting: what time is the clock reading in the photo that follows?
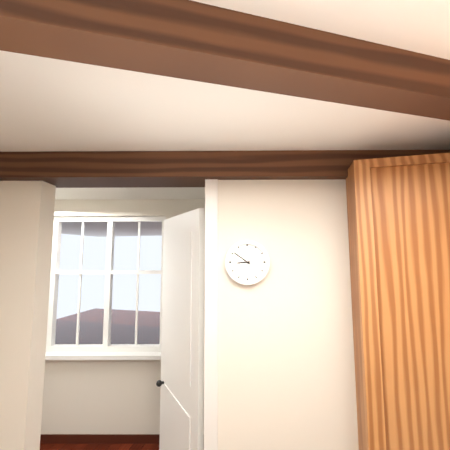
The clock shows 8:51
